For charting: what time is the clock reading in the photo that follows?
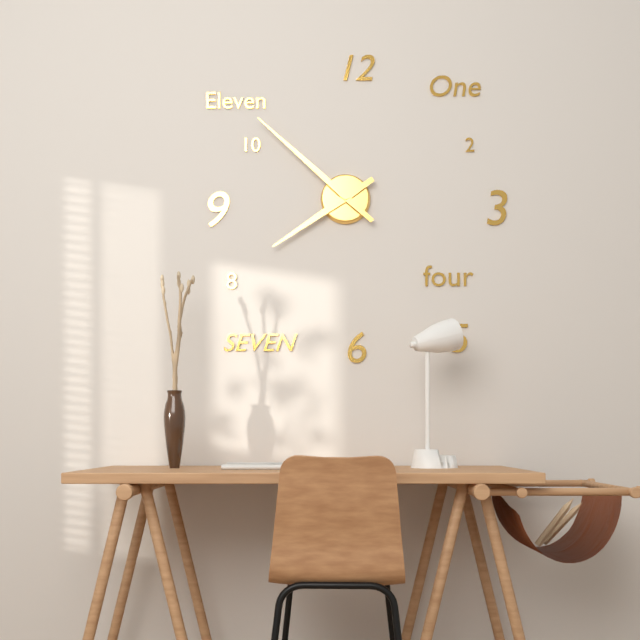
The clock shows 7:52
